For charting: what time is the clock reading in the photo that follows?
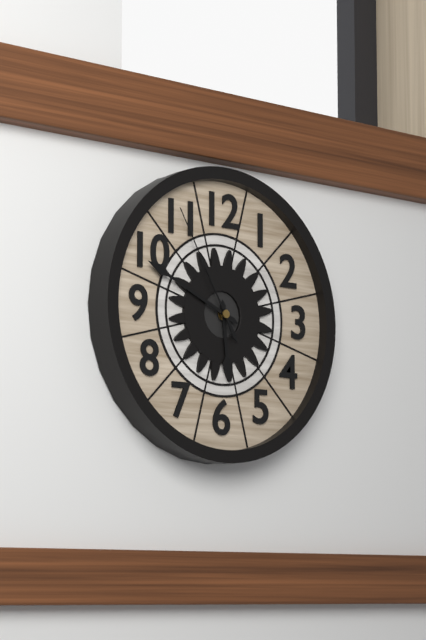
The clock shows 5:49:55
